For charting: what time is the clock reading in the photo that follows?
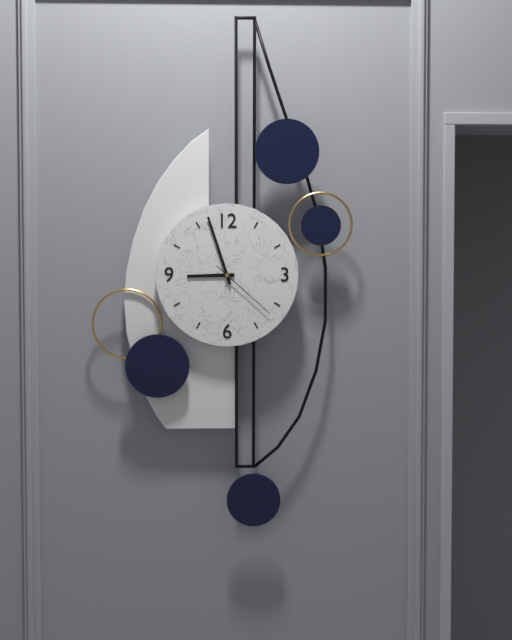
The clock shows 8:57:22
